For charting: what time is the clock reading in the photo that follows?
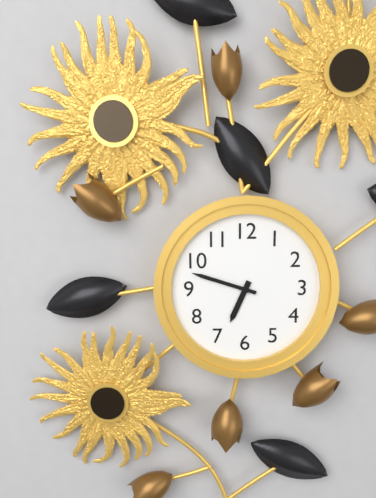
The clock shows 6:48
